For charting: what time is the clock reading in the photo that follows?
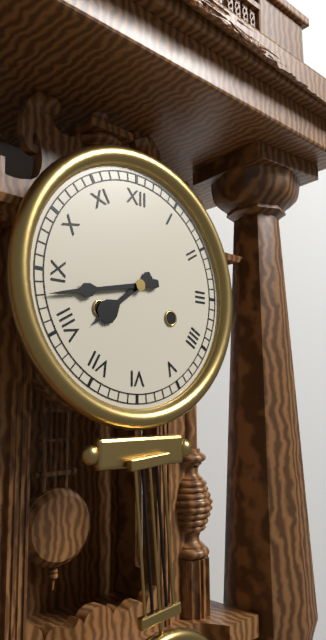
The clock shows 7:43
